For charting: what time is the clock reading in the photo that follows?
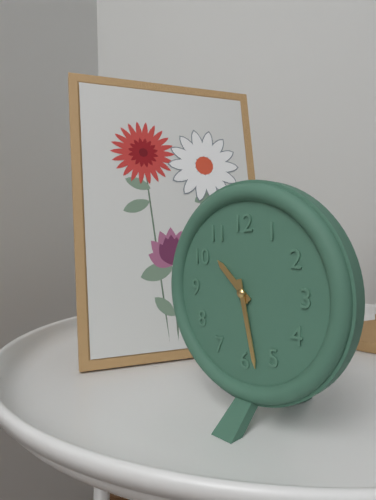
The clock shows 10:28
